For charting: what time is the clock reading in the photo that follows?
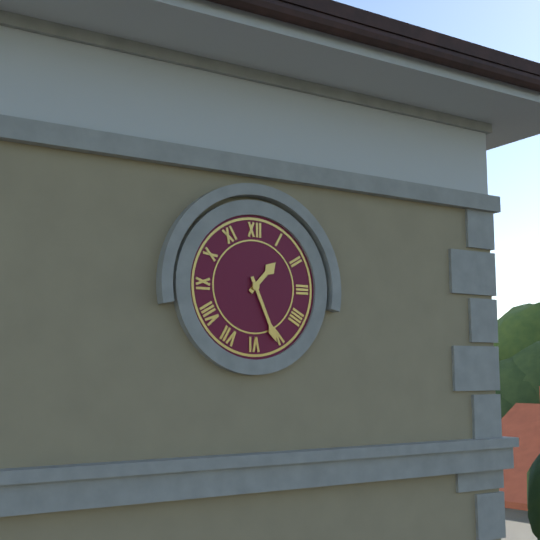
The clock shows 1:26
